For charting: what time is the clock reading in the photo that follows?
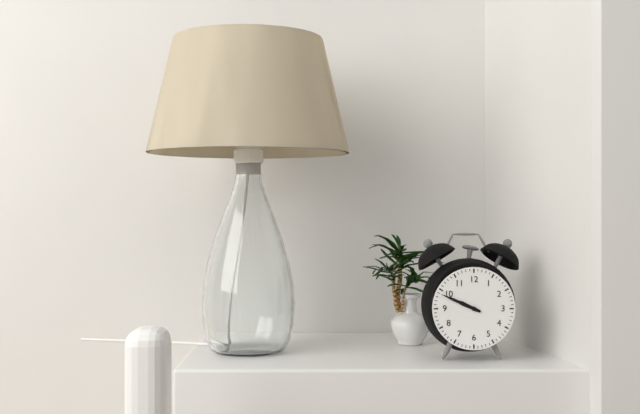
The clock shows 9:49
